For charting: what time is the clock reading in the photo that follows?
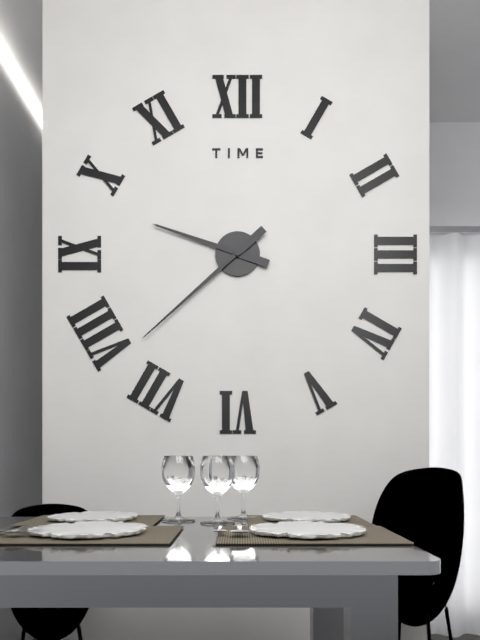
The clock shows 9:38
